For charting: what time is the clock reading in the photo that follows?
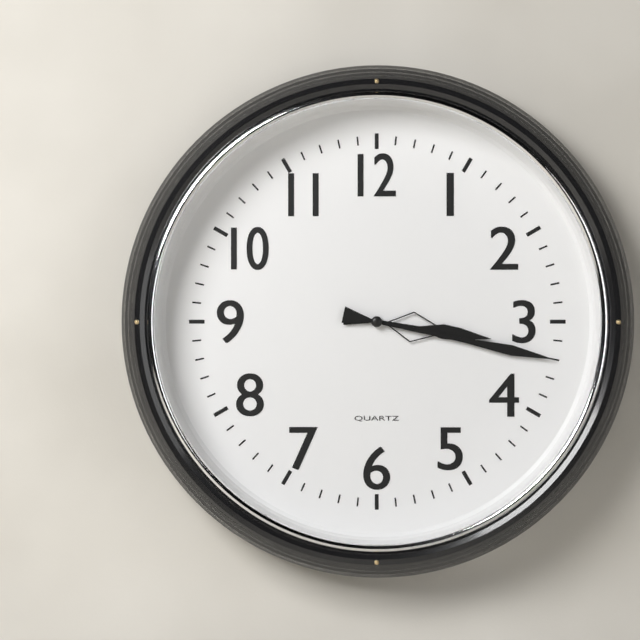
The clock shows 3:17
